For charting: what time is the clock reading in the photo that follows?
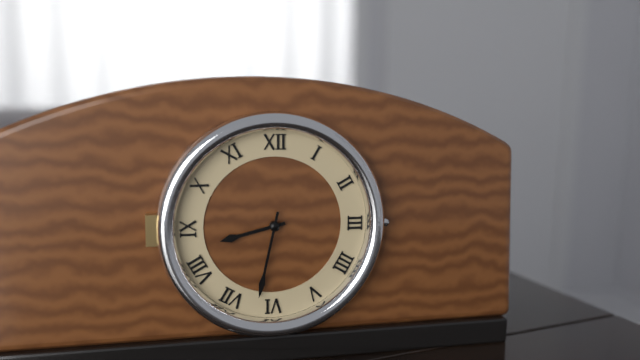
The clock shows 8:32
